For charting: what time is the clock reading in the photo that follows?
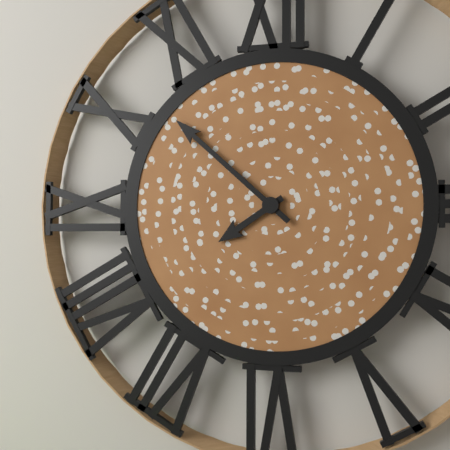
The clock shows 7:52
